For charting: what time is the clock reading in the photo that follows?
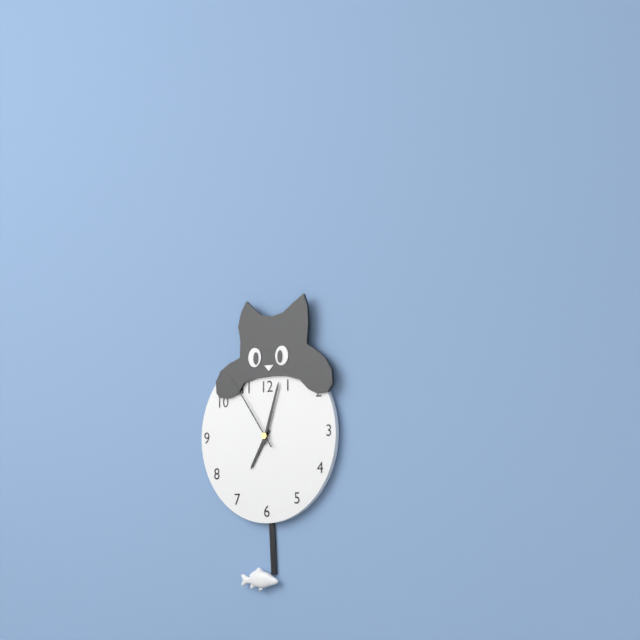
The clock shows 7:03:54
